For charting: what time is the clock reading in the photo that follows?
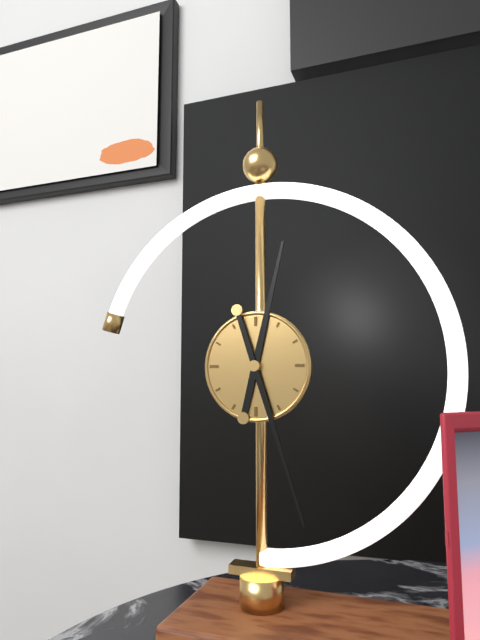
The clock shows 12:27
